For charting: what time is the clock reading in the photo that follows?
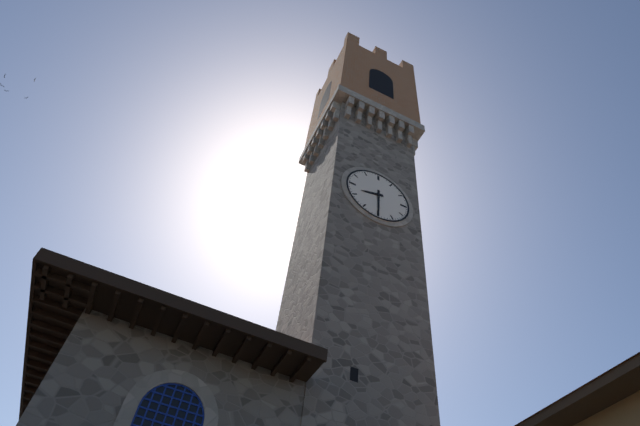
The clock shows 8:30
